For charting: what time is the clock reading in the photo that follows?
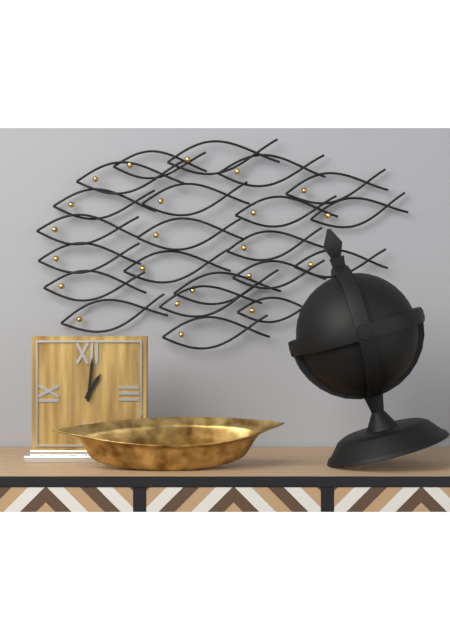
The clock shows 1:01
